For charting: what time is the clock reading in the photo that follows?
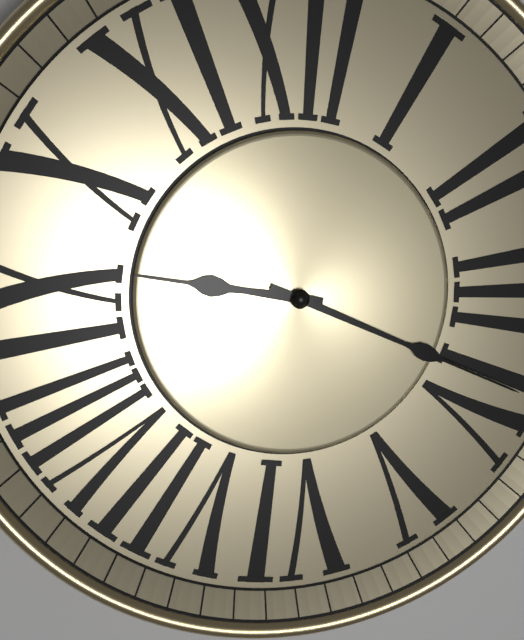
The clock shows 9:19
